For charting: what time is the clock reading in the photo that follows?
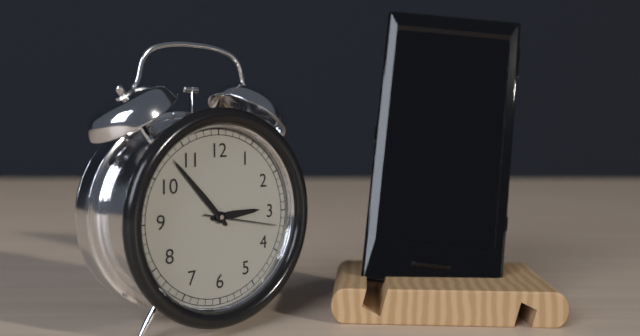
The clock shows 2:53:17
